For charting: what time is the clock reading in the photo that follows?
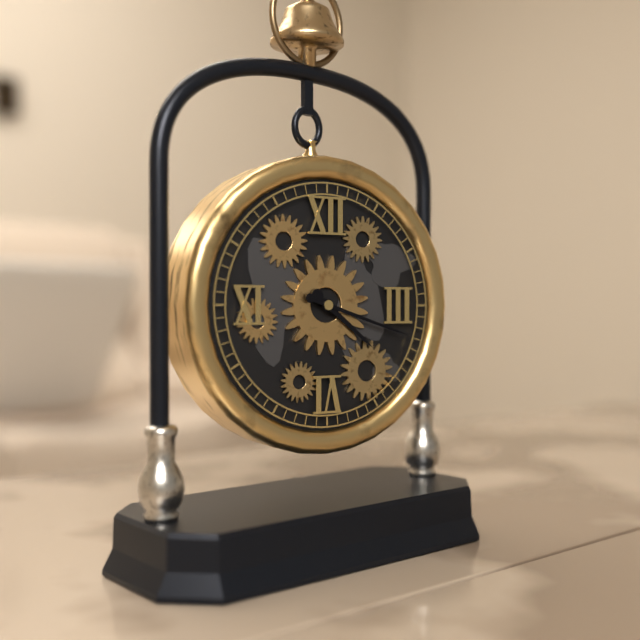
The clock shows 4:18
